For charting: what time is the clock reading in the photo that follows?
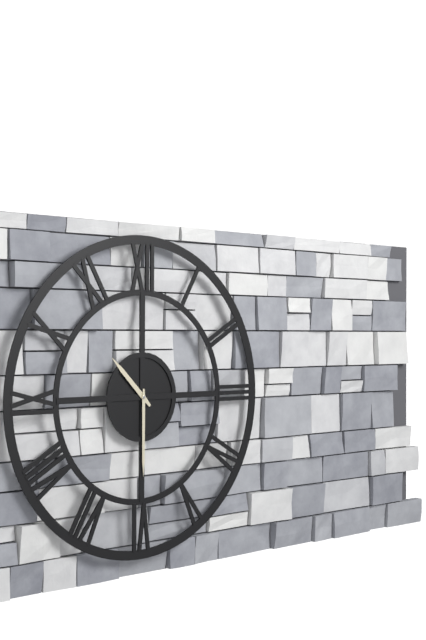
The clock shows 10:30
